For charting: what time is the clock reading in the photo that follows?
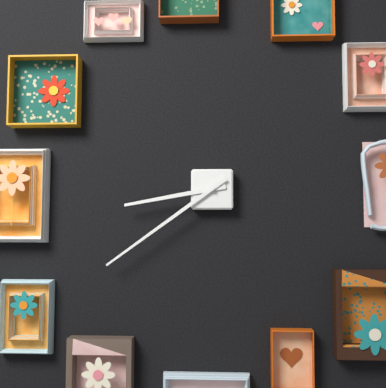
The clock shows 8:39
